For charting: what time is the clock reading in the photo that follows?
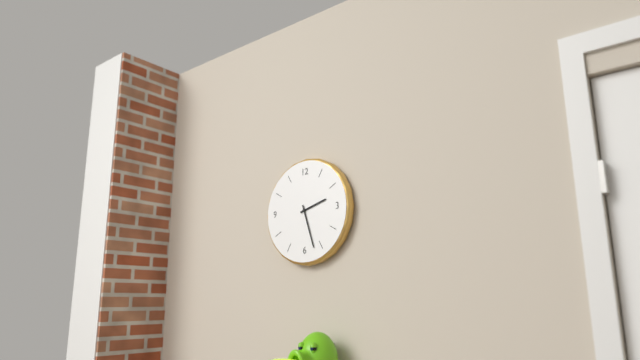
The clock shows 2:27
